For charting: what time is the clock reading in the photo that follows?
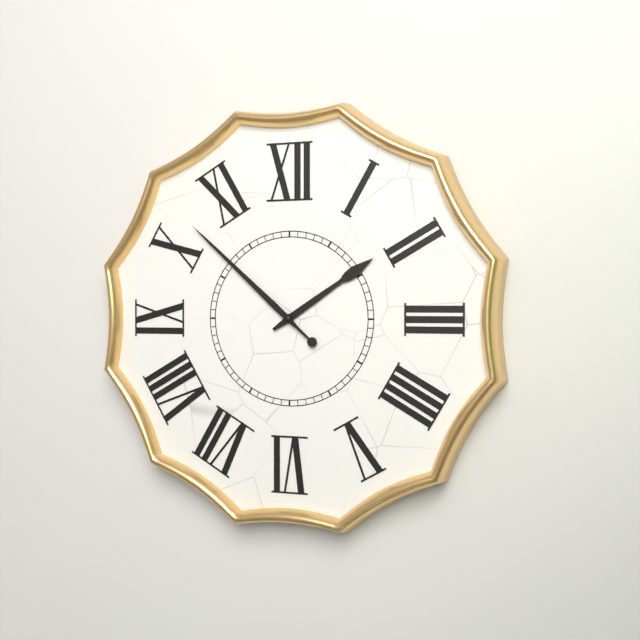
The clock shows 1:52
